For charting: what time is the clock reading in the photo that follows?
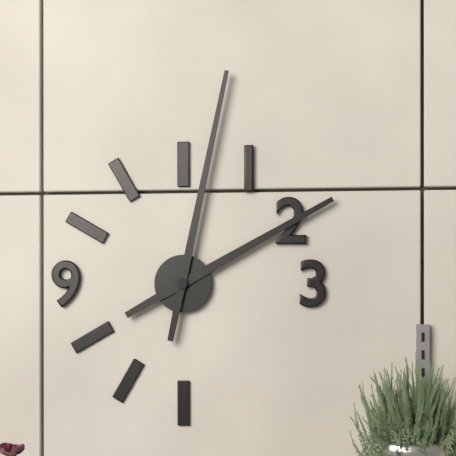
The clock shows 2:02
